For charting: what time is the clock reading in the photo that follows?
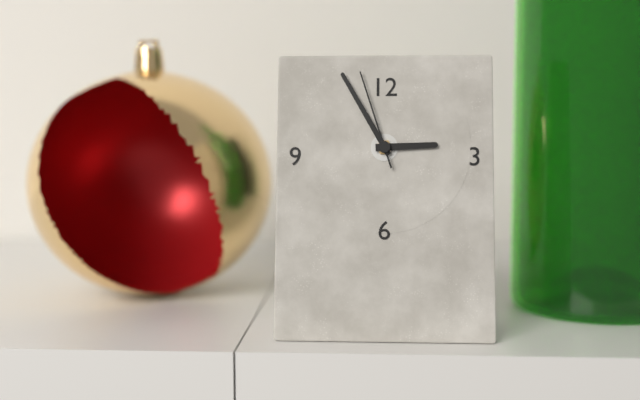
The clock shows 2:55:57
